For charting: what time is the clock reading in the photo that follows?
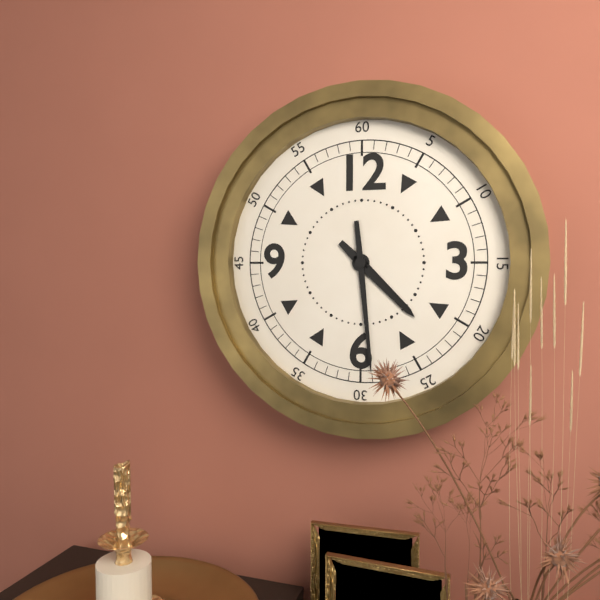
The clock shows 4:29
